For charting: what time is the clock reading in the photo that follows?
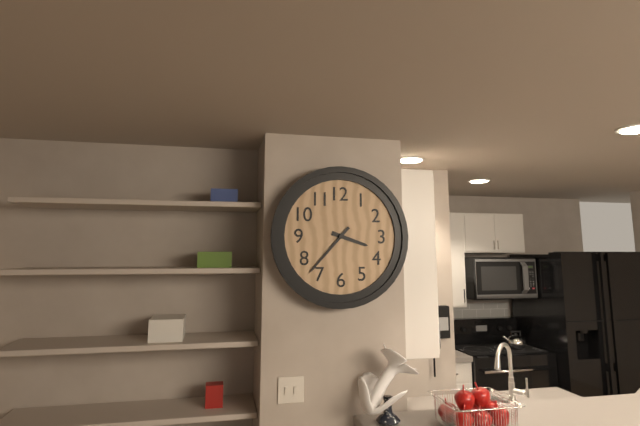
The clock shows 3:37
